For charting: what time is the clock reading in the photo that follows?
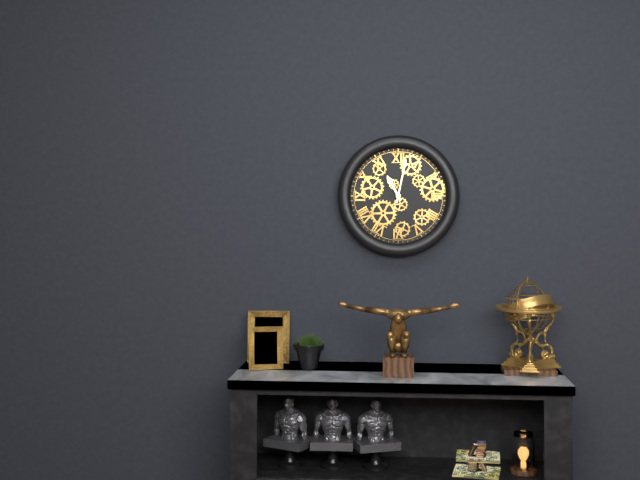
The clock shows 11:02
